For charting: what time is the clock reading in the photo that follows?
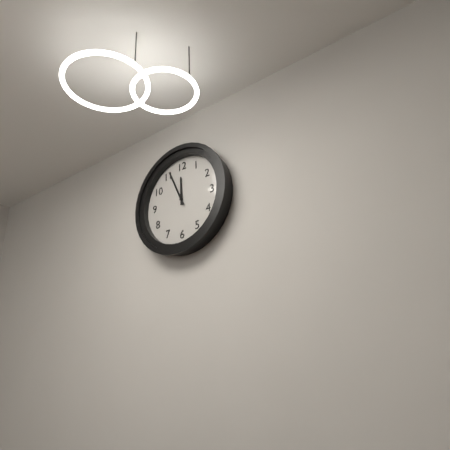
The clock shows 11:56
